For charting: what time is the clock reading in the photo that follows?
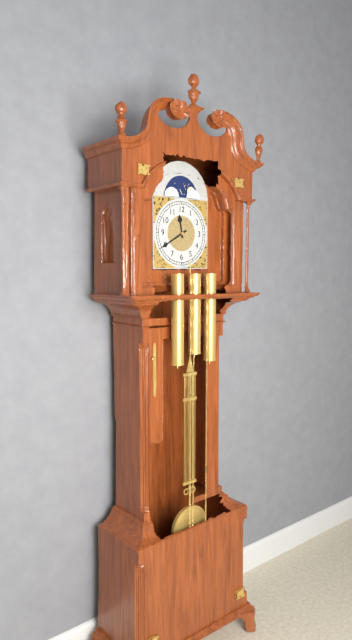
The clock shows 11:40
